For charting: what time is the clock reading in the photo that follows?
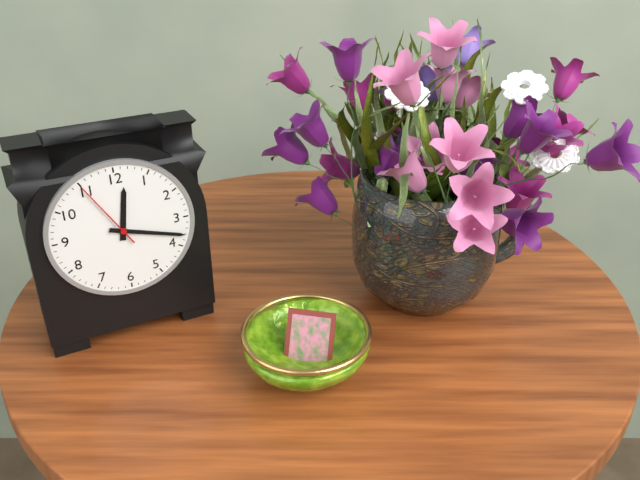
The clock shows 12:18:55
